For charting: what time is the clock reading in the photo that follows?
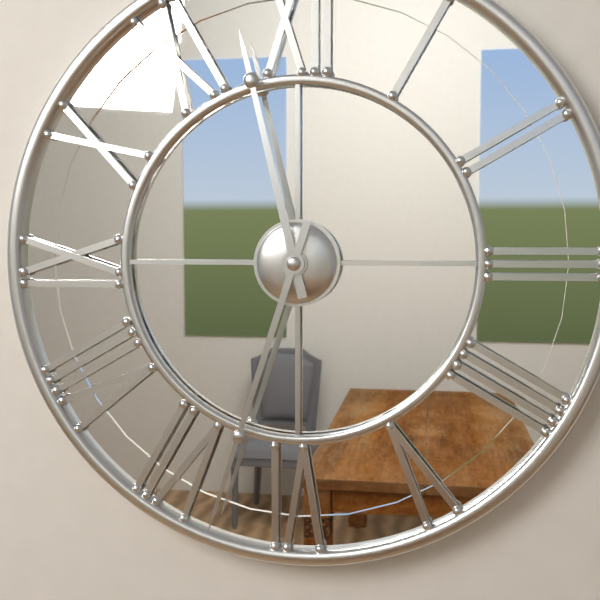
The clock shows 11:33
